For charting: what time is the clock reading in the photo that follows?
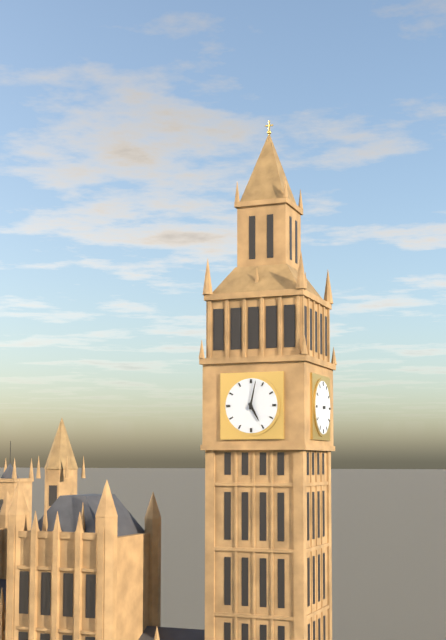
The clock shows 5:02
